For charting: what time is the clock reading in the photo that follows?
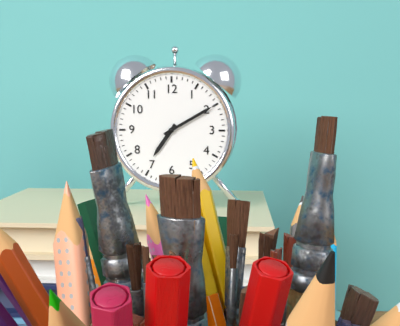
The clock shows 7:10
